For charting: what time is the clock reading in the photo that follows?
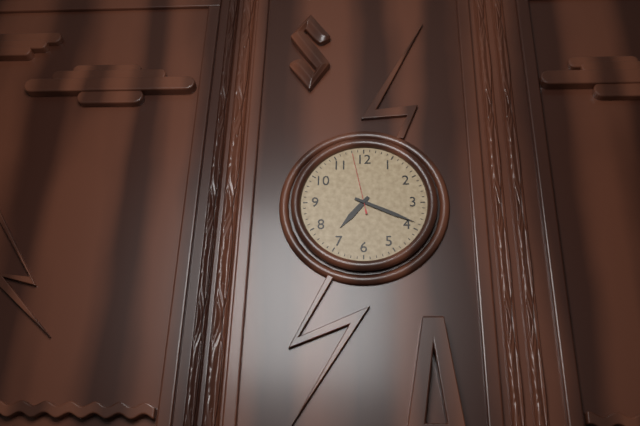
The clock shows 7:19:58
